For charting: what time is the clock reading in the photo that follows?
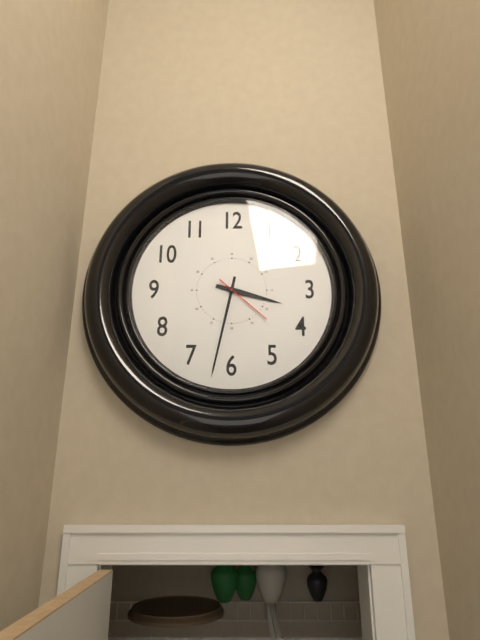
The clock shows 3:32:22
